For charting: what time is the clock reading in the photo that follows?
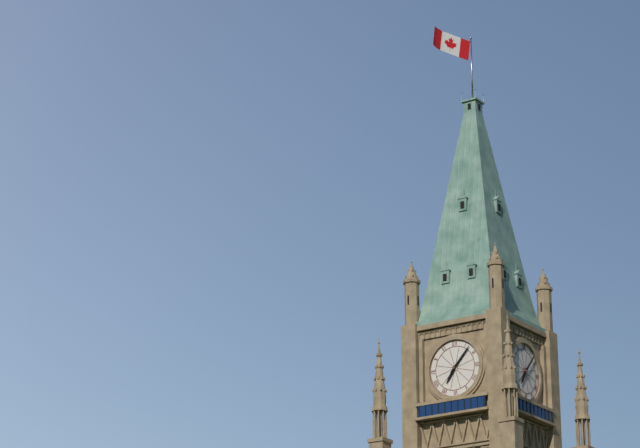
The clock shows 7:07
